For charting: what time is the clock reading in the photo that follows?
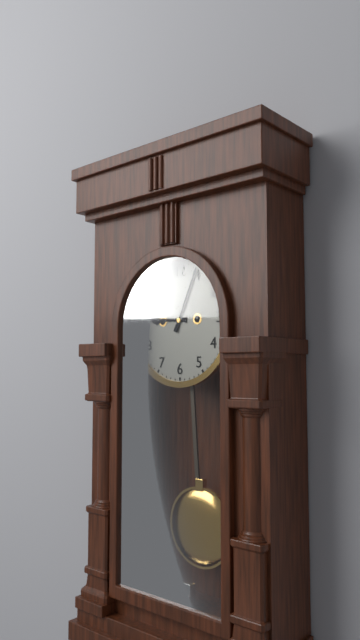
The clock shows 9:04
